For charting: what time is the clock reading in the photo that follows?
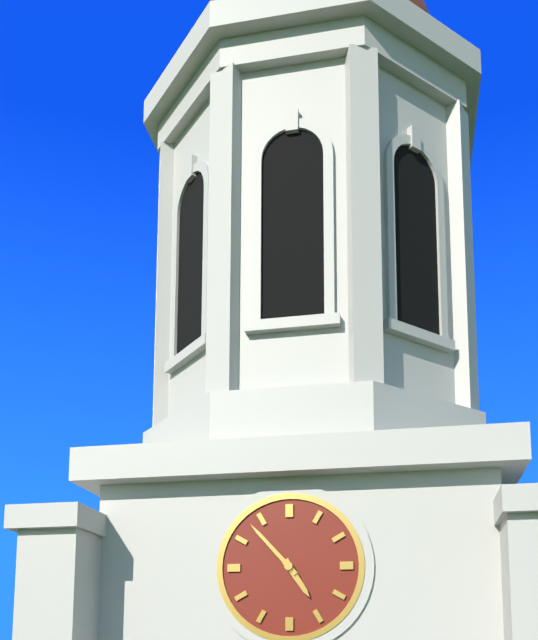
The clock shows 4:53
